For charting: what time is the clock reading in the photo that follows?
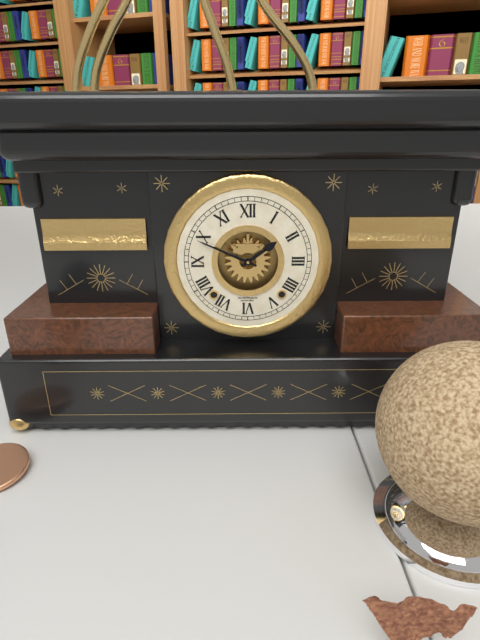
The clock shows 1:49
